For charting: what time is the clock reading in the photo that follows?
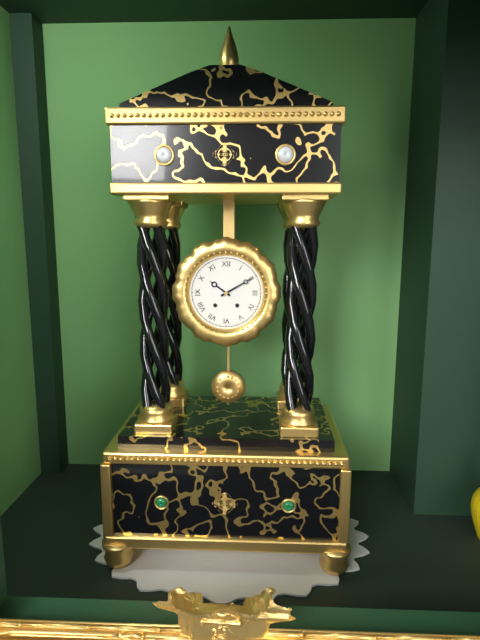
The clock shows 10:10
